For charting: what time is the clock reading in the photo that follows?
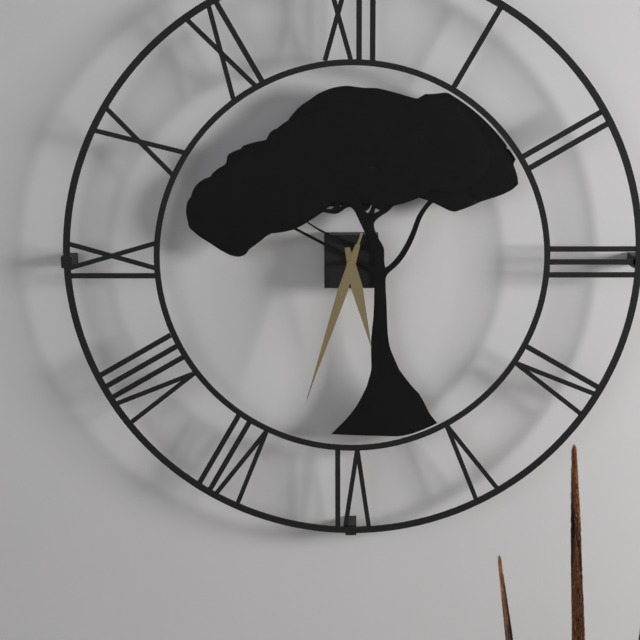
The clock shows 5:33:33
